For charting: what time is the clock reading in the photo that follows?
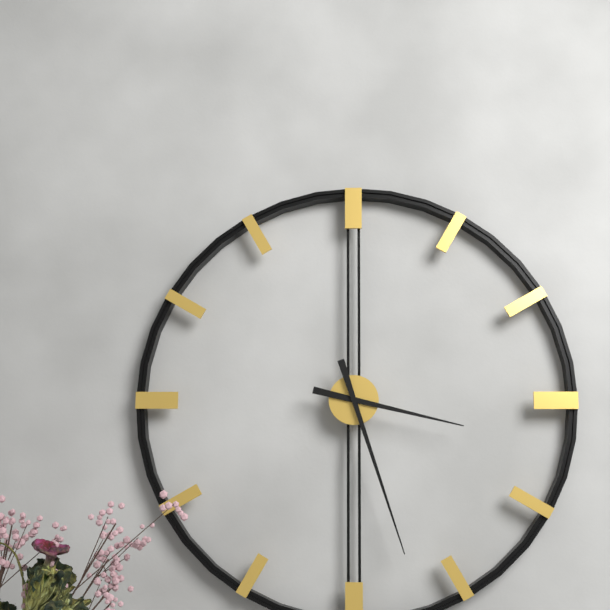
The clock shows 3:27
